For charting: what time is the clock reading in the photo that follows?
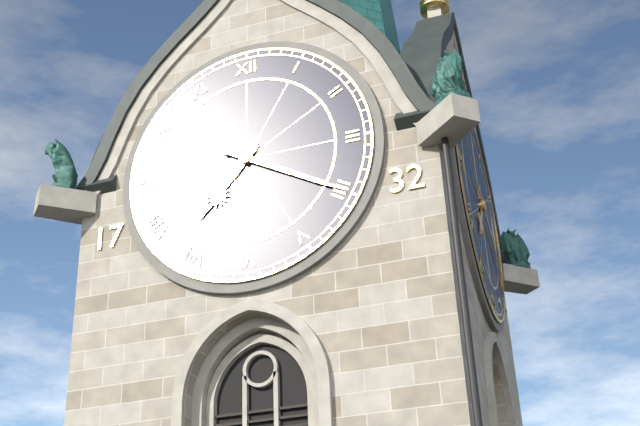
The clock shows 7:20
